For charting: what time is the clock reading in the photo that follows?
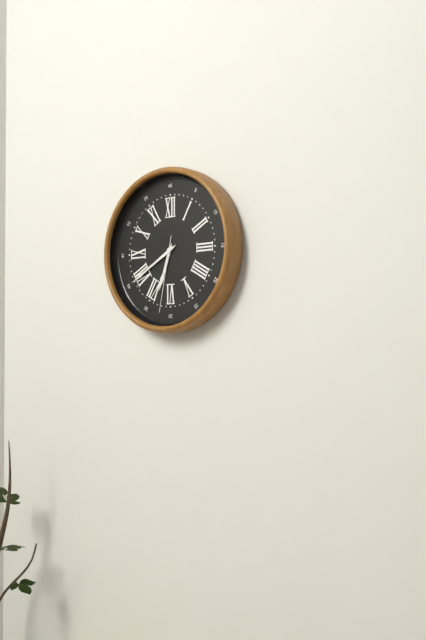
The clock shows 6:40:32
